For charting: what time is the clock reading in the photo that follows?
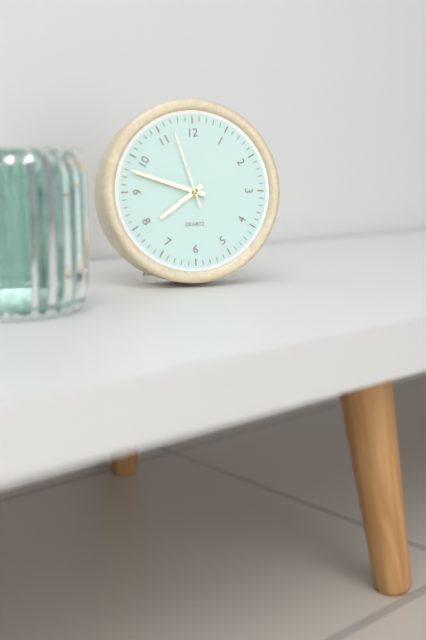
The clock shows 7:48:57
